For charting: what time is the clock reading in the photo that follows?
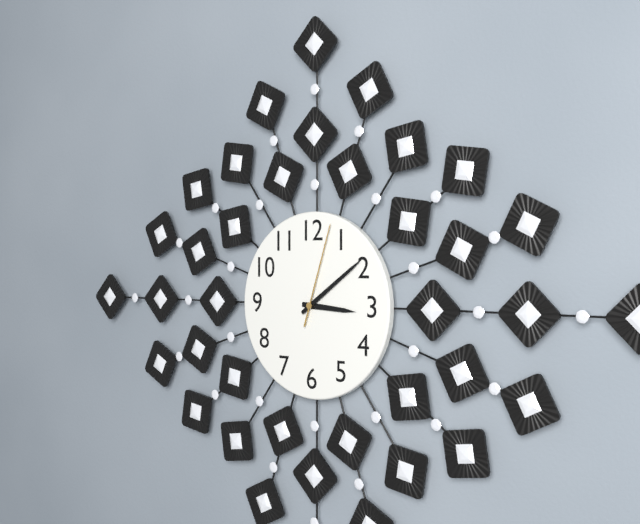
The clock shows 3:09:03
